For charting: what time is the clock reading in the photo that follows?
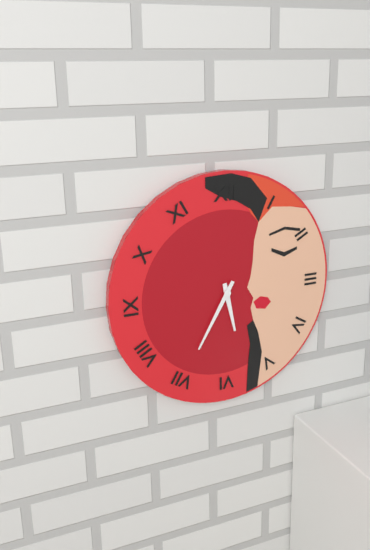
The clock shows 5:35
